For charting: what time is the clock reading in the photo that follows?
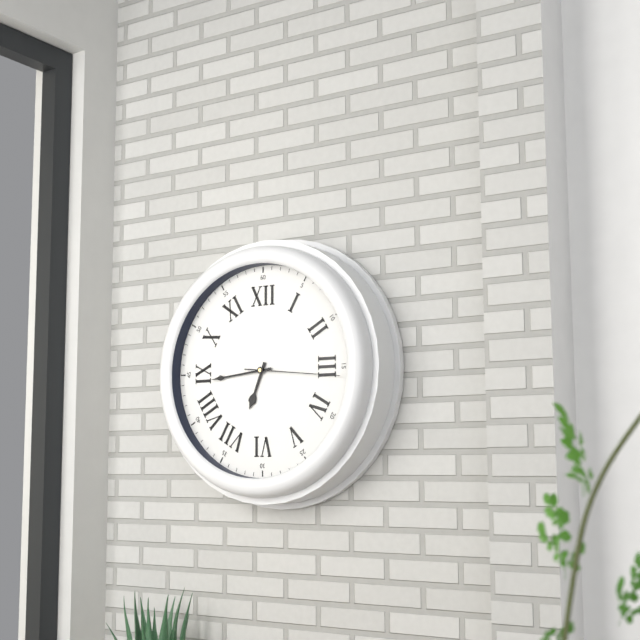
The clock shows 6:44:16
